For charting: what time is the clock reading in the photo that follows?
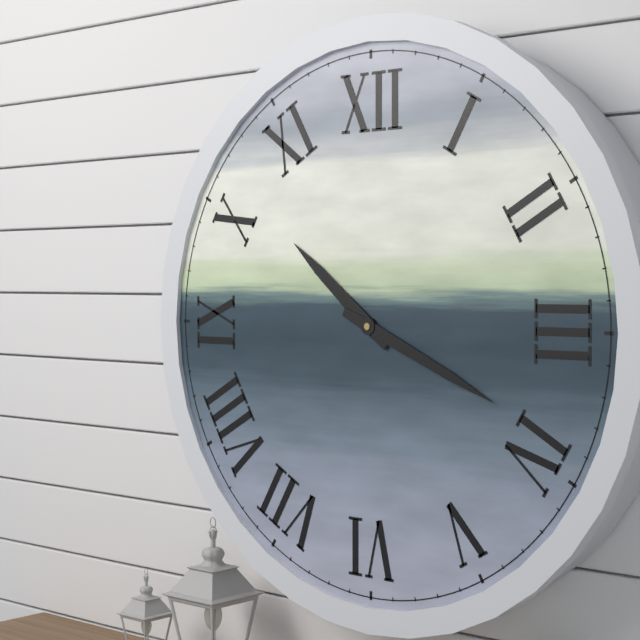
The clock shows 10:19
